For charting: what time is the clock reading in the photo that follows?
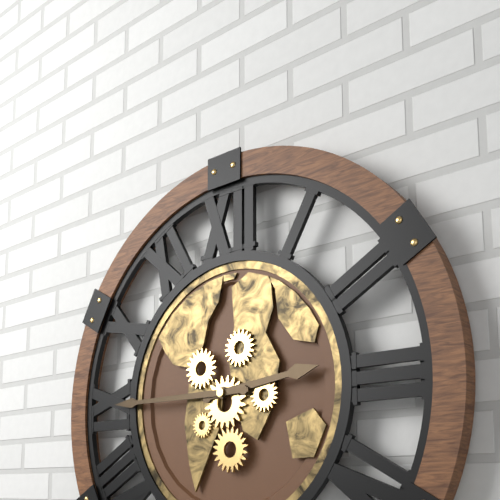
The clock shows 2:45
